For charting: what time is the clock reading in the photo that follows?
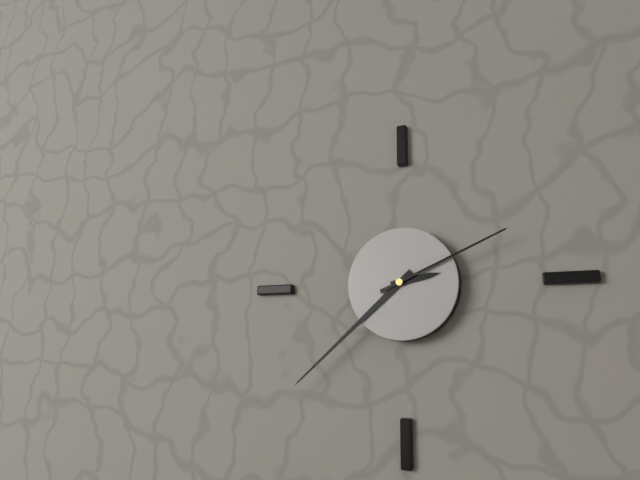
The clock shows 2:38:11
